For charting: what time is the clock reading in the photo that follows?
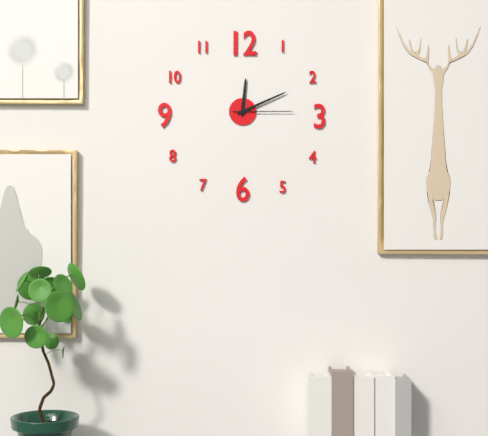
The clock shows 12:11:15
